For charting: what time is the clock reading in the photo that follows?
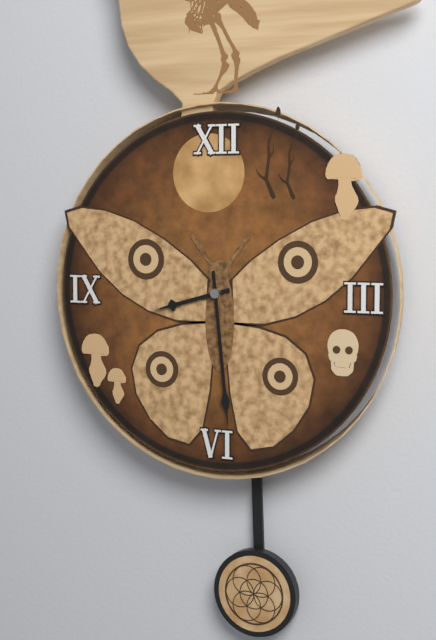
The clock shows 8:29
